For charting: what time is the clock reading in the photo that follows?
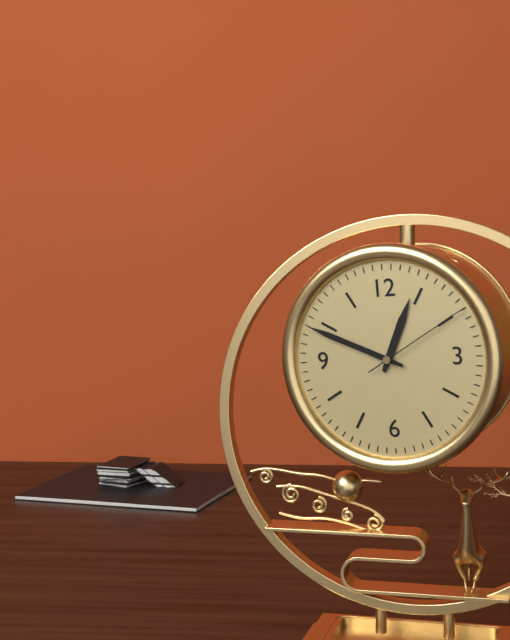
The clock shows 12:49:10
